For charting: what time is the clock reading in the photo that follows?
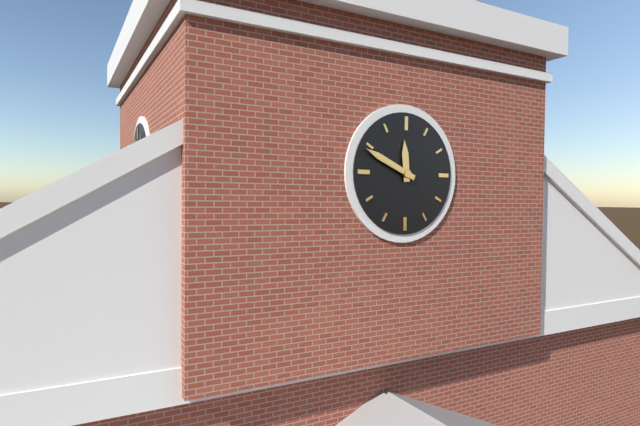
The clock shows 11:49
